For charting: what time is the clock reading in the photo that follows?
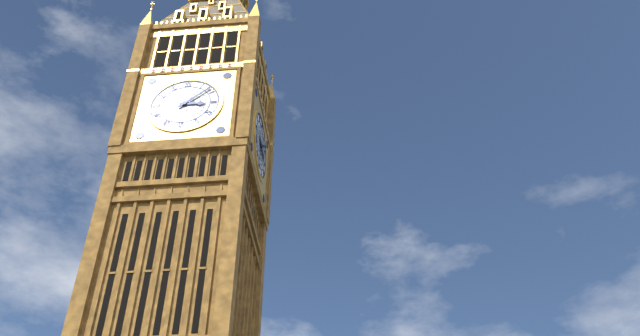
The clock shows 3:08
